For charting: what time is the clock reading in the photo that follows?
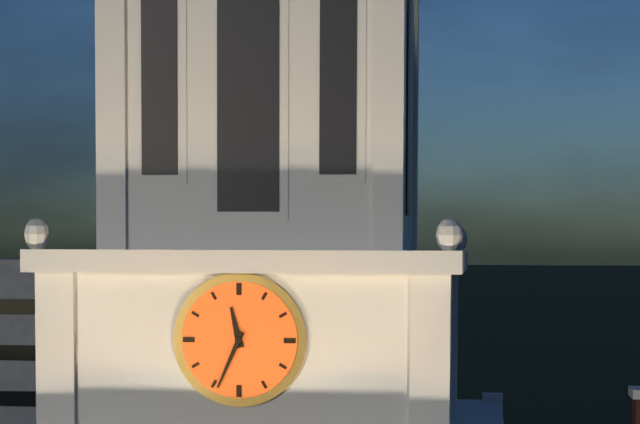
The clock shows 11:34
